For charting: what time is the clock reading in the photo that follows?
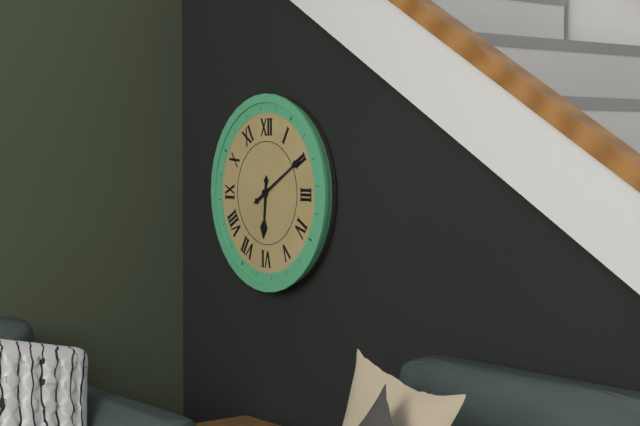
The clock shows 6:10
